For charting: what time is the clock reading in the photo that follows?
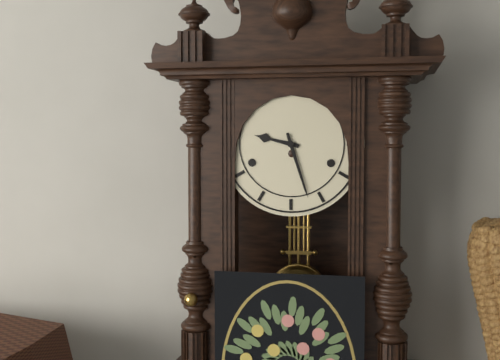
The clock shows 9:27
